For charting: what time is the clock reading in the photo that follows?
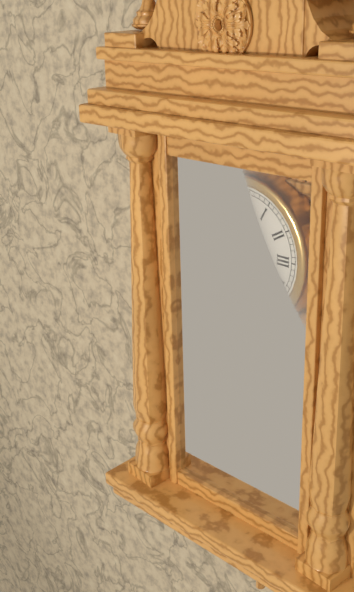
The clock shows 10:33
